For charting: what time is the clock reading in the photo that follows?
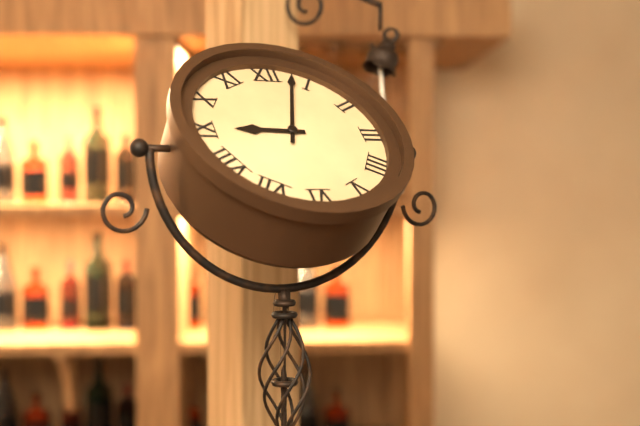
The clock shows 9:03
